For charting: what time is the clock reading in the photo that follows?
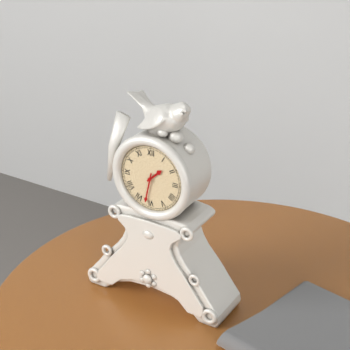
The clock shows 1:32
